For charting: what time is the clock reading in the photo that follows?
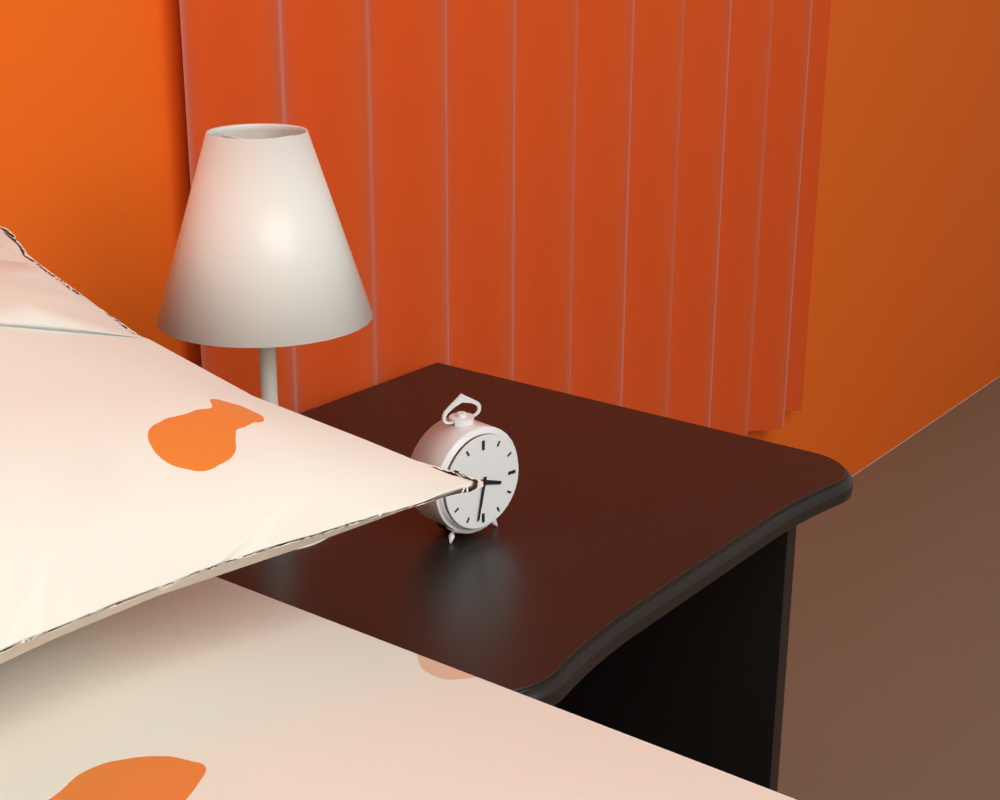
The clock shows 3:32
